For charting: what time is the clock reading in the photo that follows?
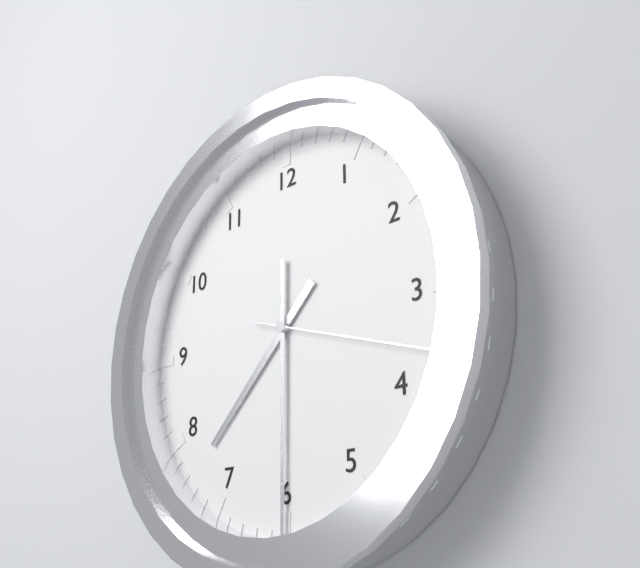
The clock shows 7:30:18
